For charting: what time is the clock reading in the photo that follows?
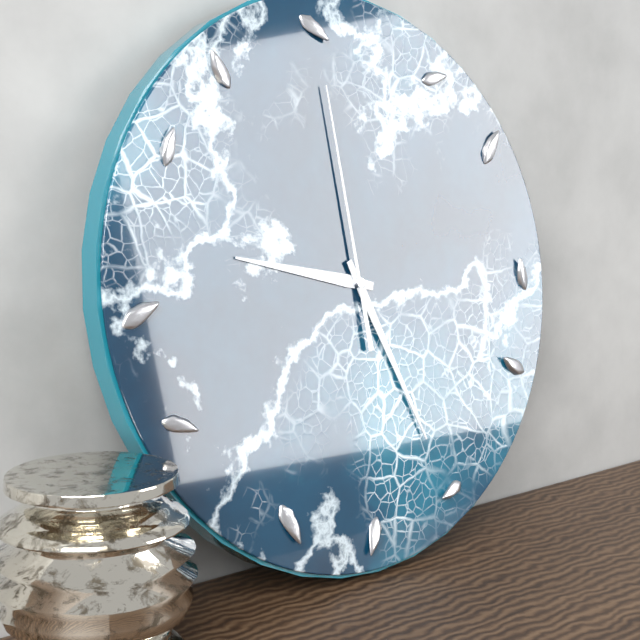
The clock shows 9:26:59
